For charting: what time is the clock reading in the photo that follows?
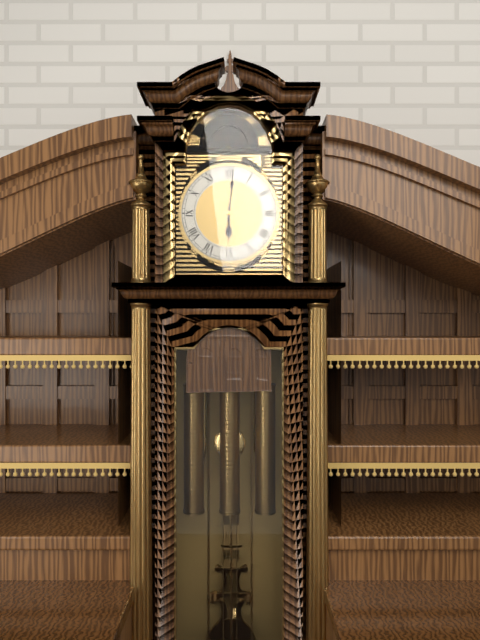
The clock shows 6:01
